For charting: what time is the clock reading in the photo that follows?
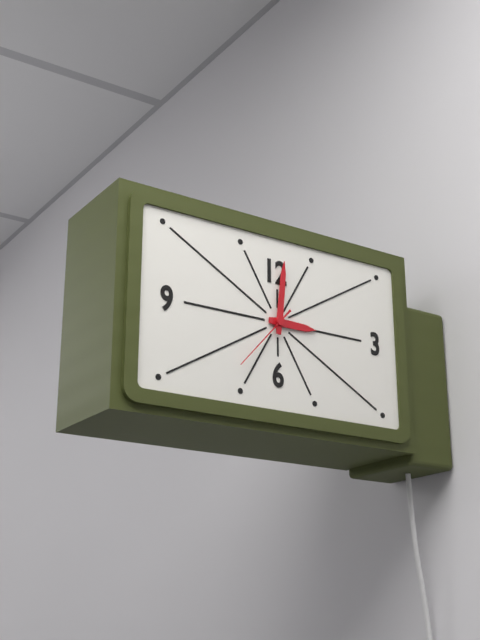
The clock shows 3:01:37
